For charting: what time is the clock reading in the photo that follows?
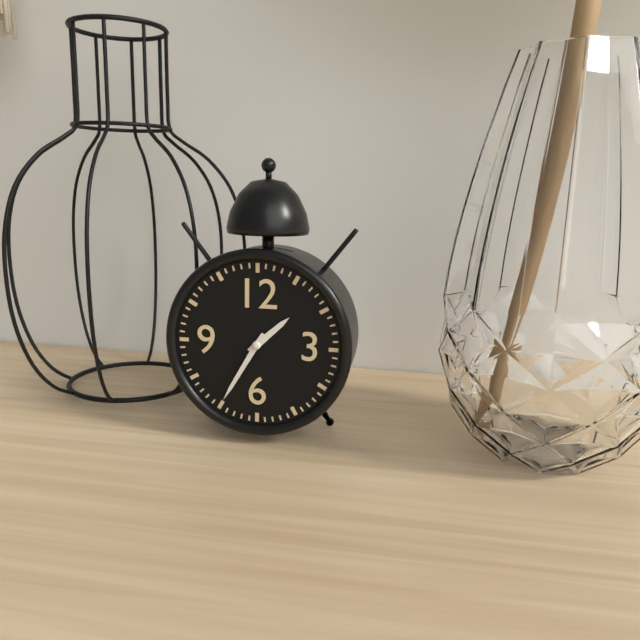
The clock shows 1:35
